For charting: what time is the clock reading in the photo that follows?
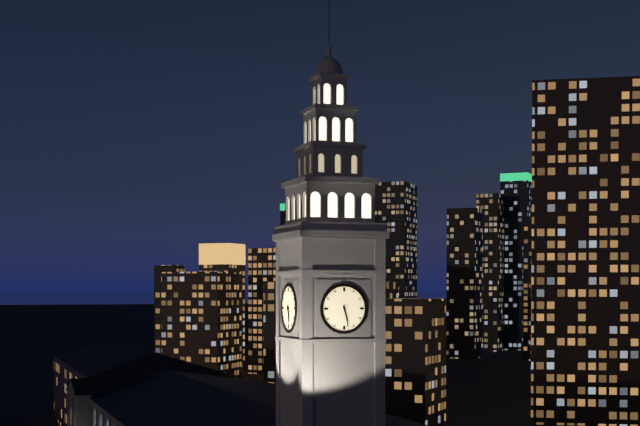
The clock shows 5:28
